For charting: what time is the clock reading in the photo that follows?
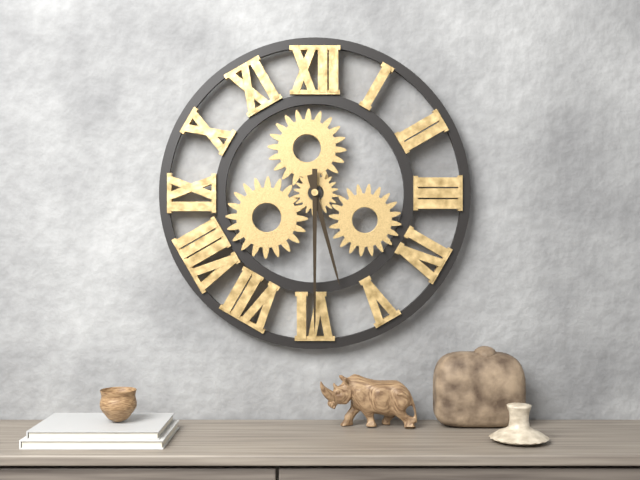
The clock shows 5:30
